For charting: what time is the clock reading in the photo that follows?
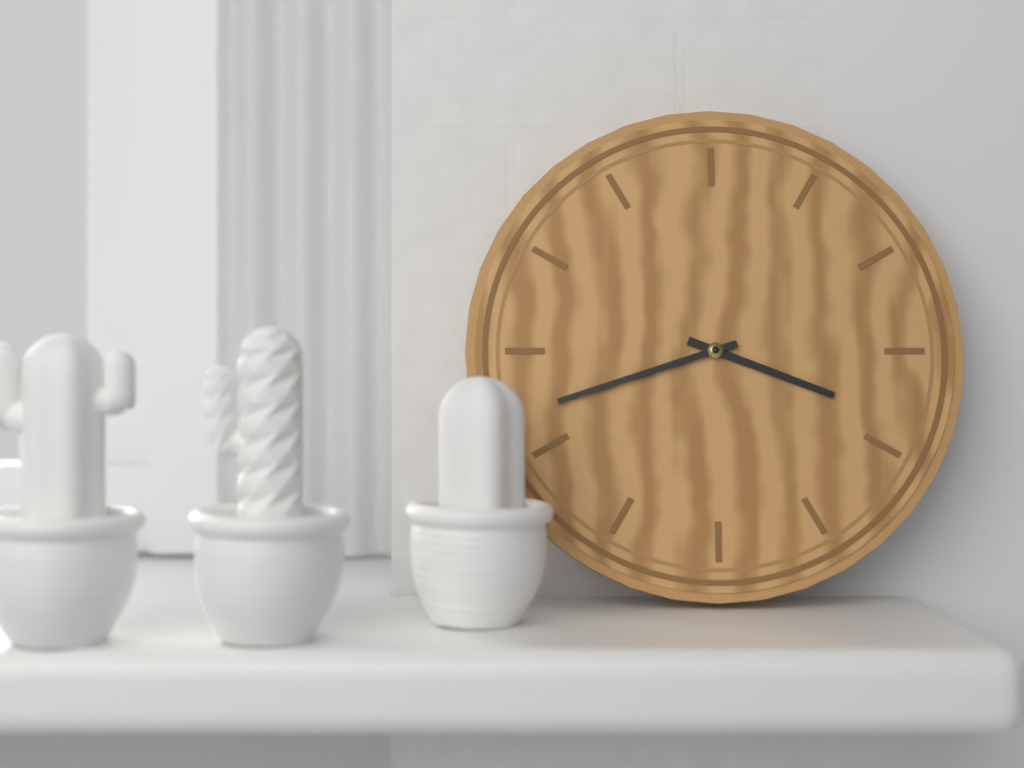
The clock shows 3:42
